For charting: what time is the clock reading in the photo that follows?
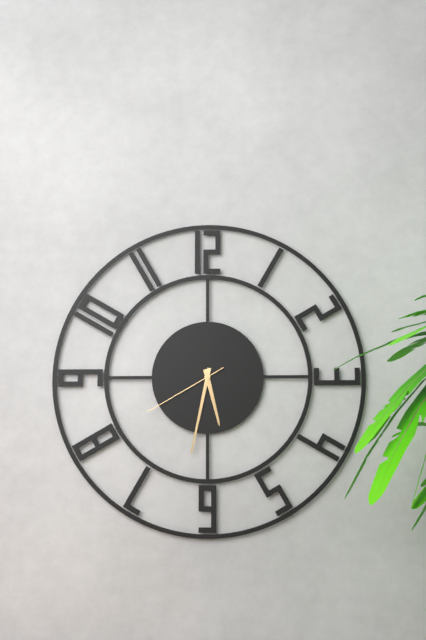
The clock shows 5:32:40
